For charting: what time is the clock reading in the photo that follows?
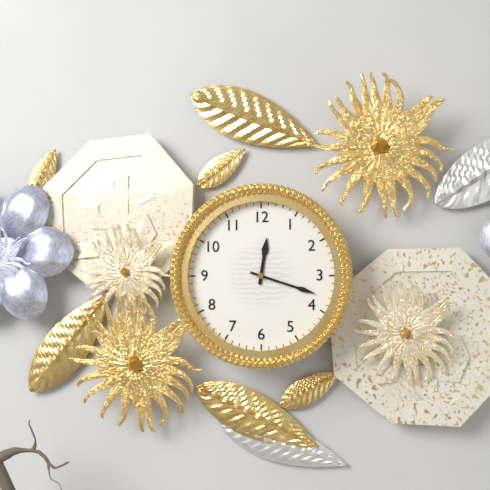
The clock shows 12:18
